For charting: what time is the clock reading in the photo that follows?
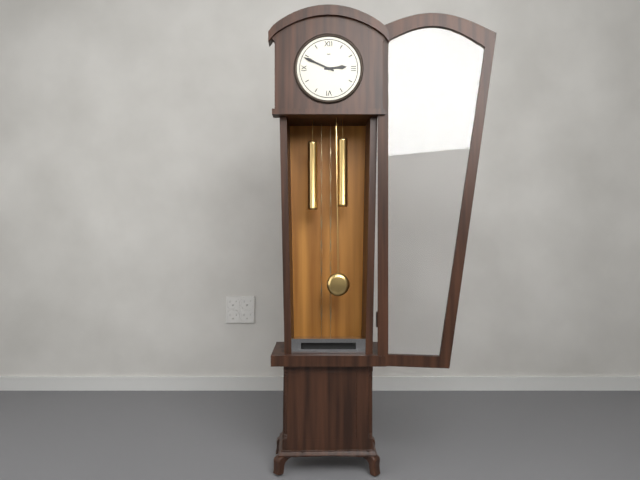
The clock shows 2:49
